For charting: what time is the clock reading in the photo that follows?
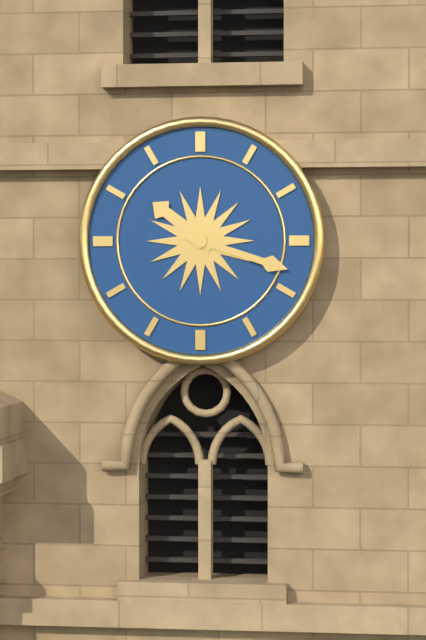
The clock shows 10:18
